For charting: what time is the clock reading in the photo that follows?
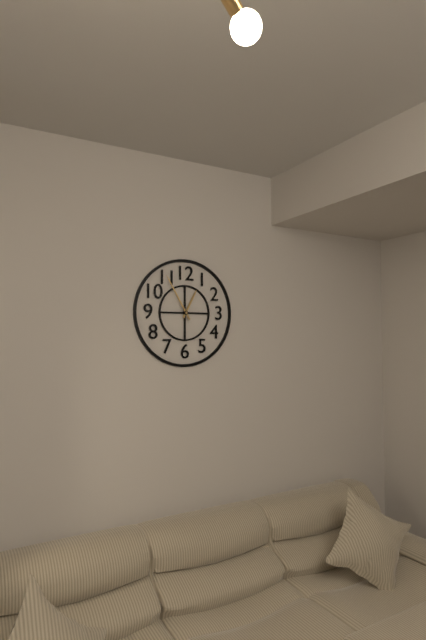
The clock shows 12:55
